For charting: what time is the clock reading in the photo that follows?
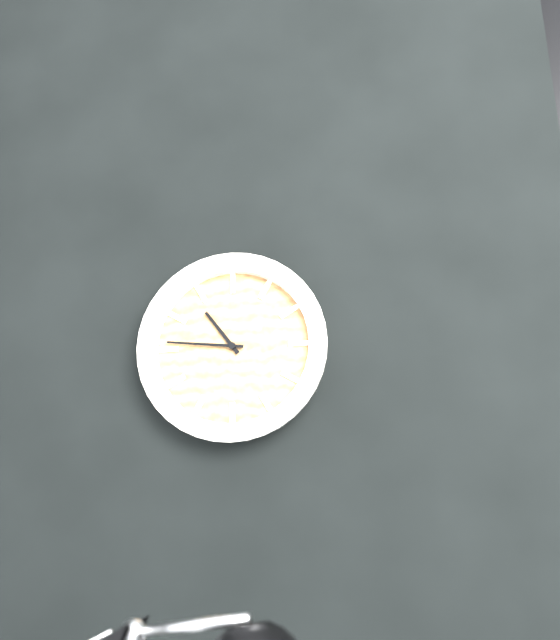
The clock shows 10:46
